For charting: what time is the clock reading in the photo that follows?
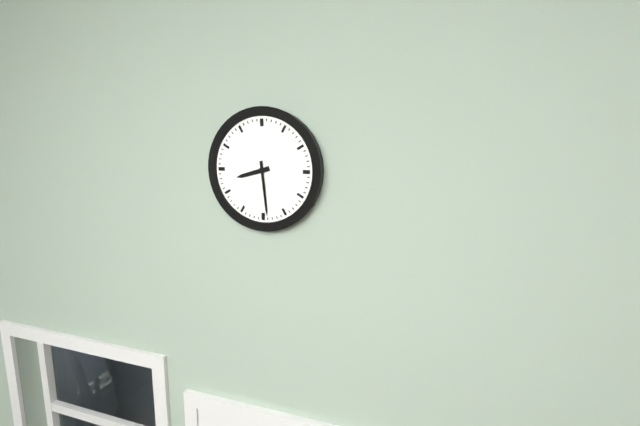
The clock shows 8:29
